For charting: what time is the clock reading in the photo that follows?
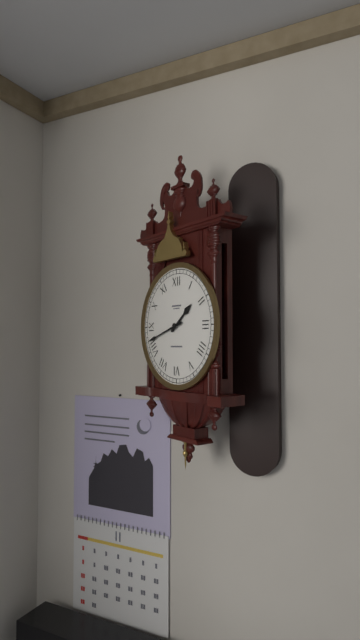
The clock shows 1:42
